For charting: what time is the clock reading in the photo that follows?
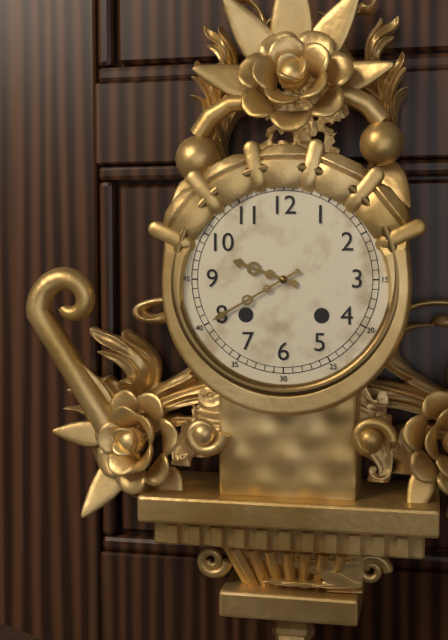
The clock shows 9:40
